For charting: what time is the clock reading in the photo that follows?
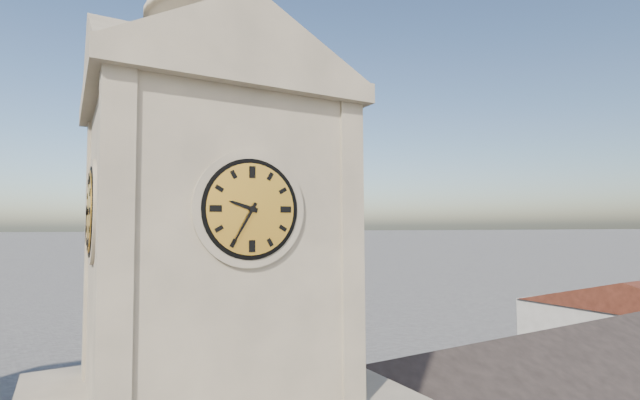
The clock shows 9:35
